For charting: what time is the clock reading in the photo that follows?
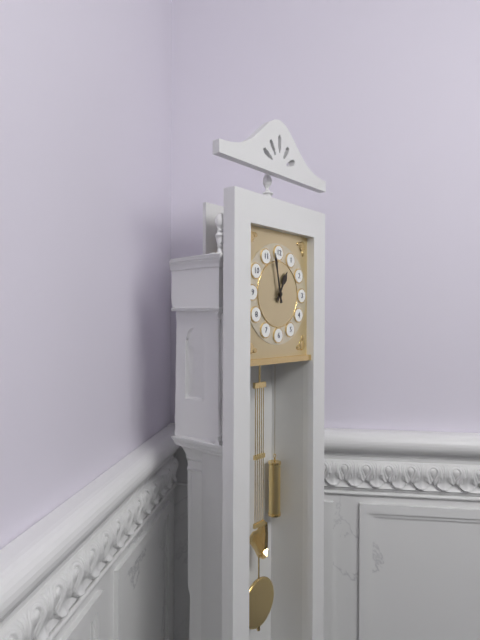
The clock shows 12:58
